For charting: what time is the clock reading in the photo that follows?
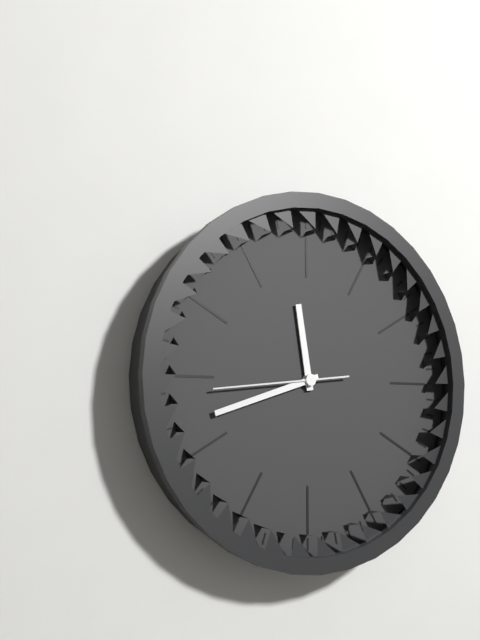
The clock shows 11:42:44
